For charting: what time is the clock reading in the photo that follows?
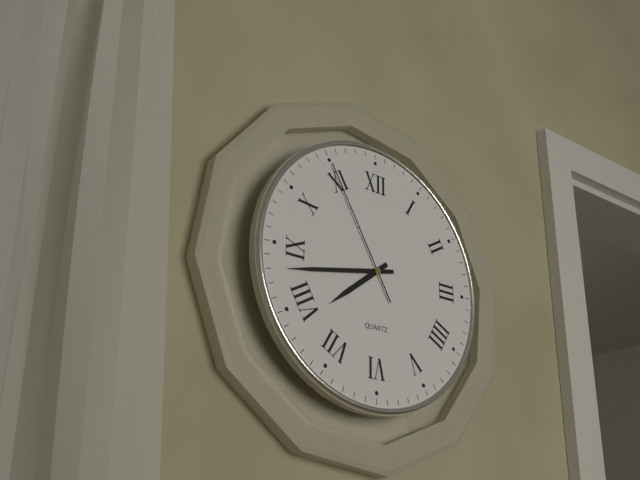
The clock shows 7:43:55
